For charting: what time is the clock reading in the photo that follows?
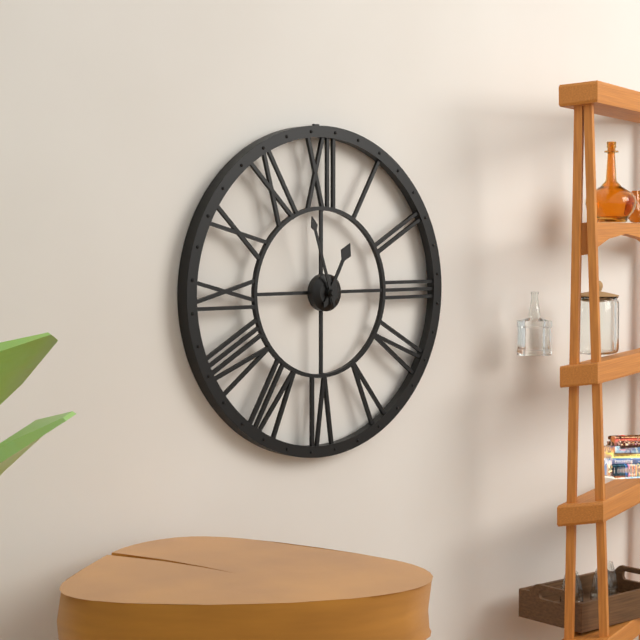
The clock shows 12:57
